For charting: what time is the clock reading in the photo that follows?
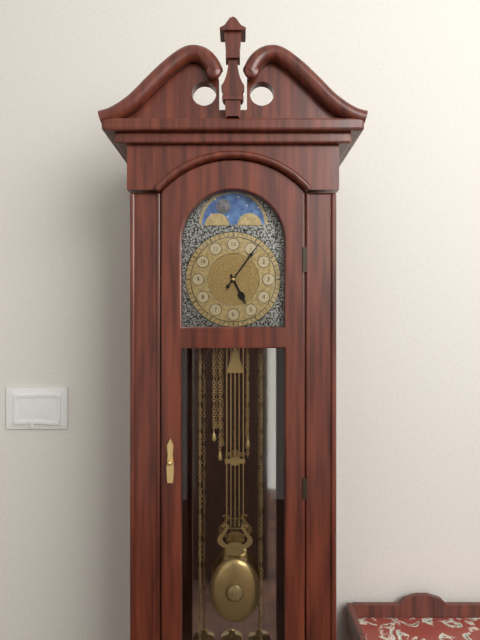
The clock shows 5:06
